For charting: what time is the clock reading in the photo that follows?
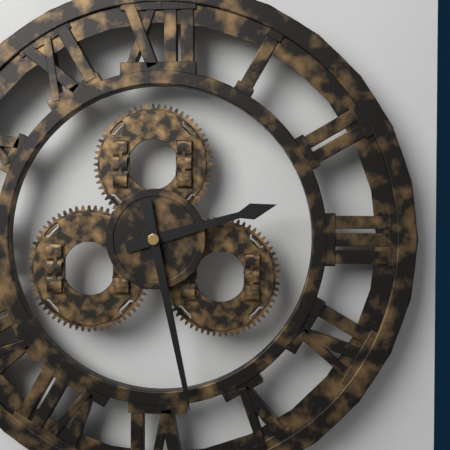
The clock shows 2:28
